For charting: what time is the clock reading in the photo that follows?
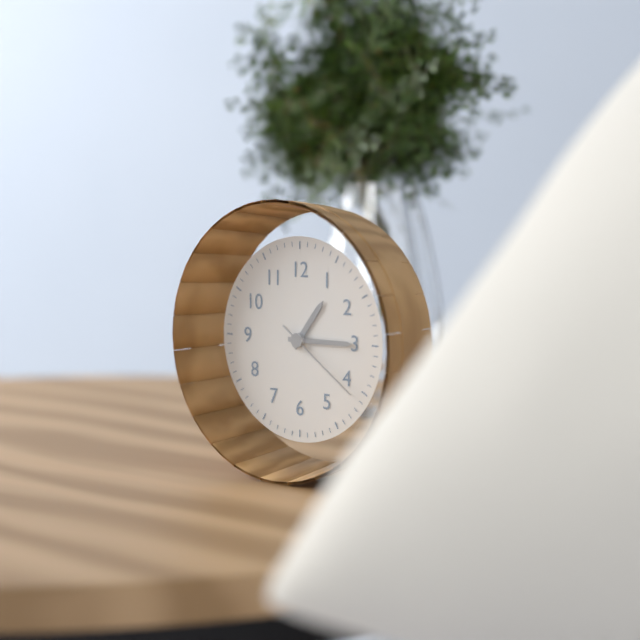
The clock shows 1:15:21
